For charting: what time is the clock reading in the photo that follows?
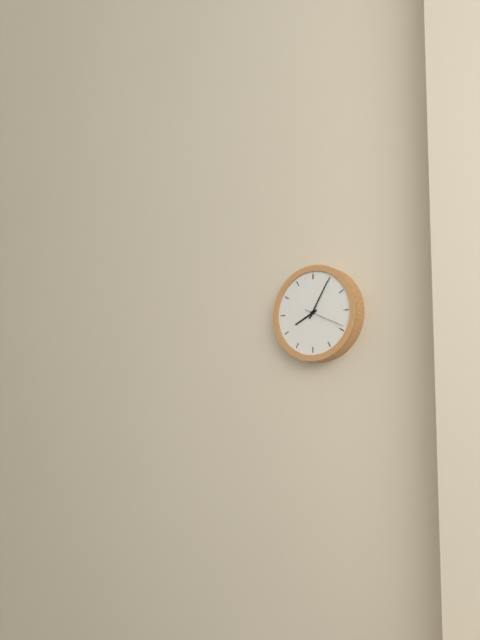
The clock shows 8:05
